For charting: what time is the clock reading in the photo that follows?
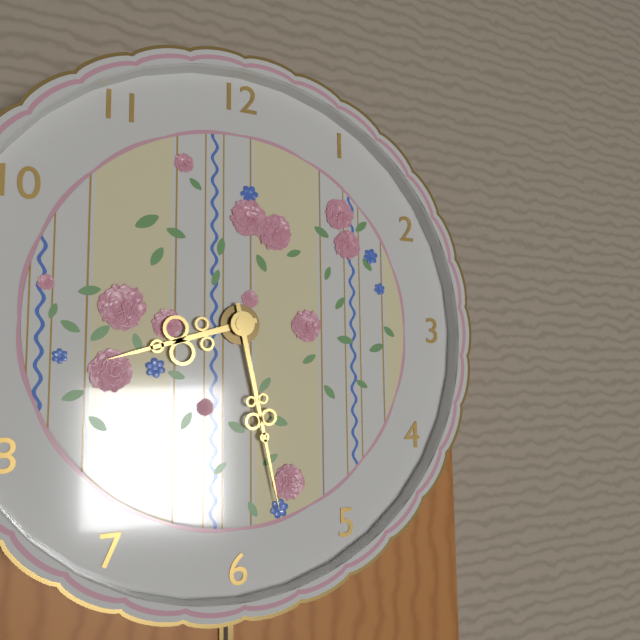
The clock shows 8:28
